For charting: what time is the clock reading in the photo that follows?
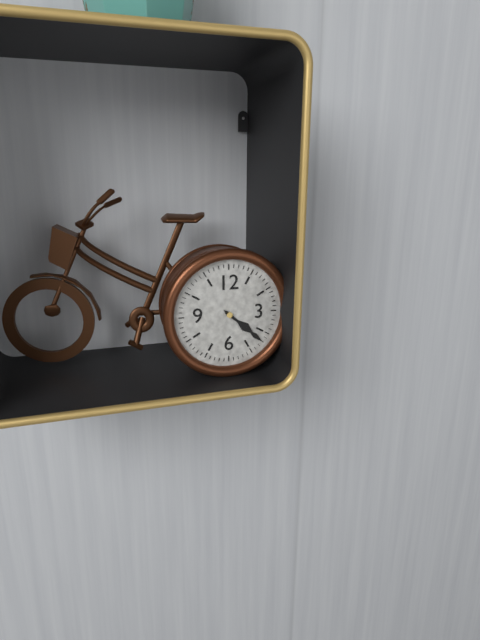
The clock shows 4:22
